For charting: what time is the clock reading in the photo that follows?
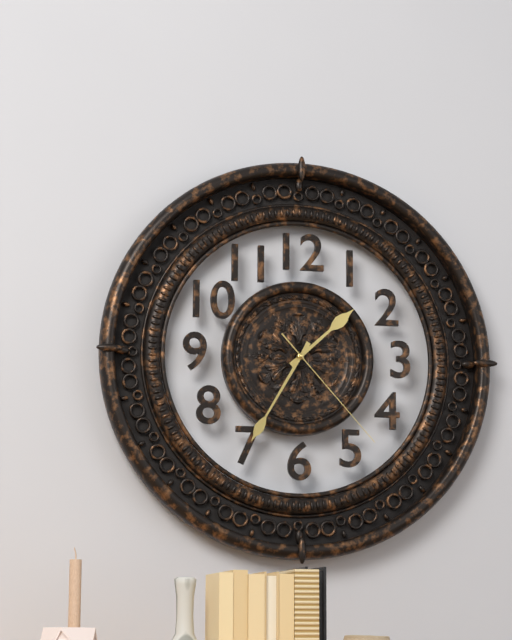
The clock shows 1:35:23
